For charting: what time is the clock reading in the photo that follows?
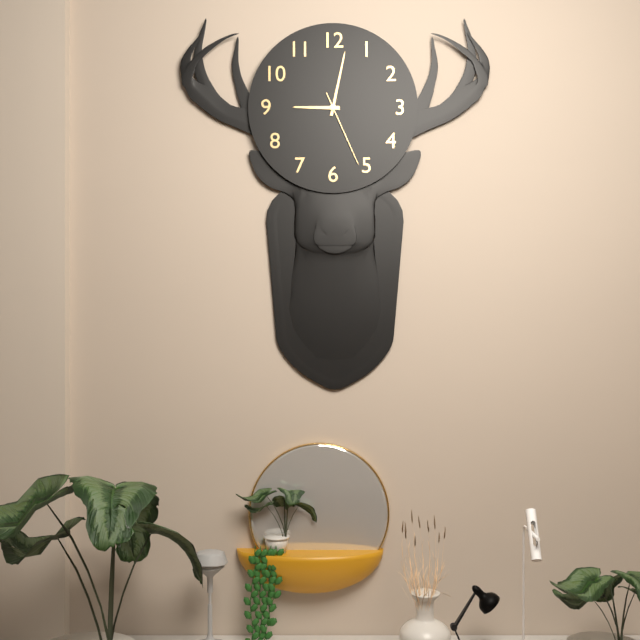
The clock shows 9:02:26
